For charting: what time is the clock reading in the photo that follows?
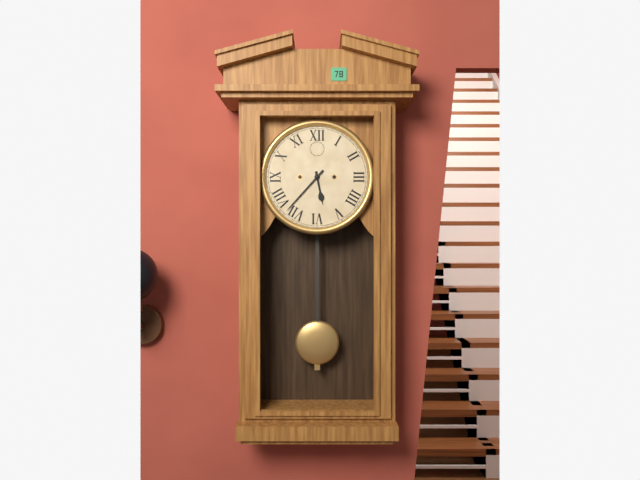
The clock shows 5:37
